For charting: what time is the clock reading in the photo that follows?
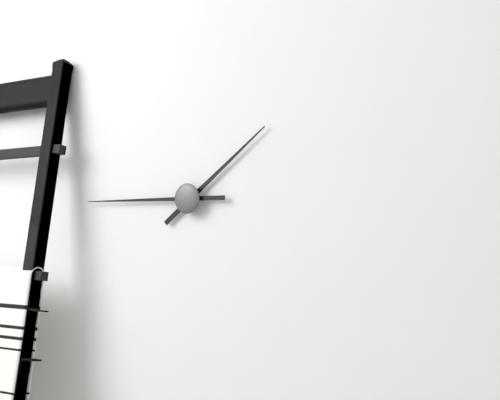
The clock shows 1:45
